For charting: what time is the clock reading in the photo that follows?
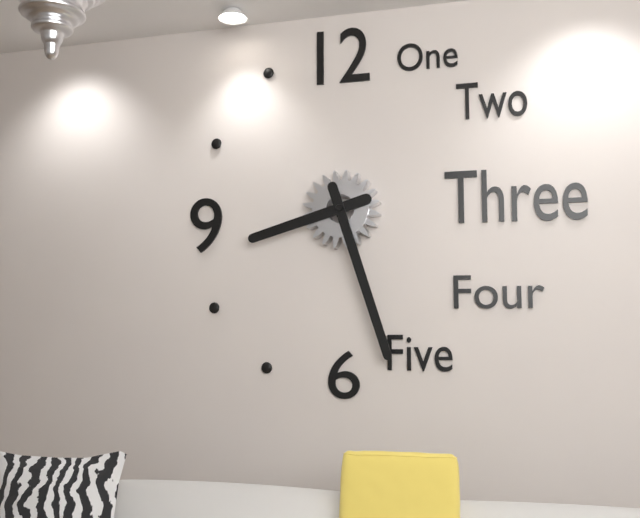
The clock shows 8:27
